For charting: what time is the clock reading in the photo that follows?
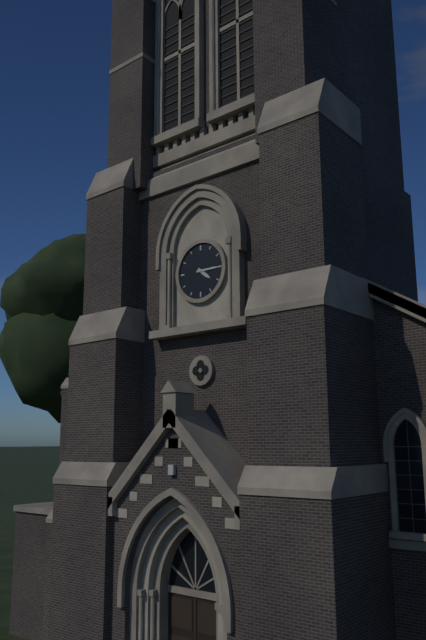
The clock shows 4:15
